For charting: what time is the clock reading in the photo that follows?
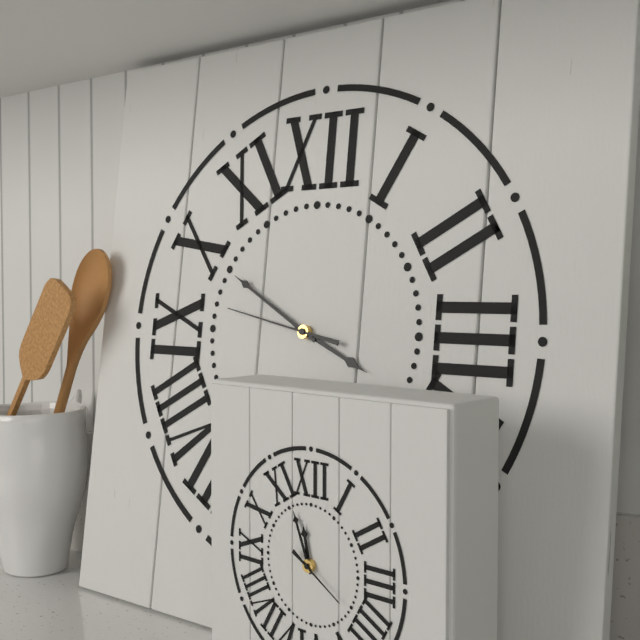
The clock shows 3:50:47
